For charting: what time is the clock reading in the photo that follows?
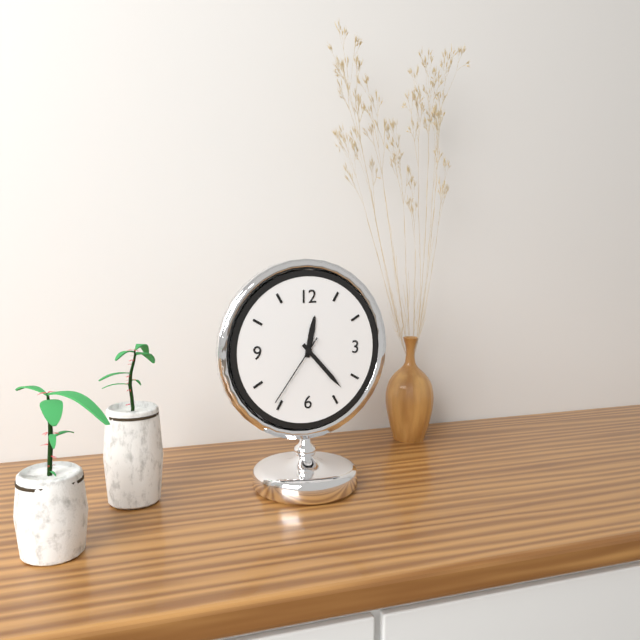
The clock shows 12:23:36
